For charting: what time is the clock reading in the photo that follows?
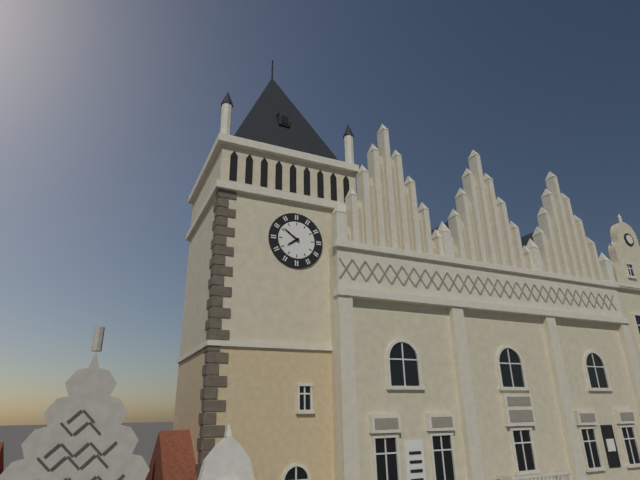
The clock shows 7:51
